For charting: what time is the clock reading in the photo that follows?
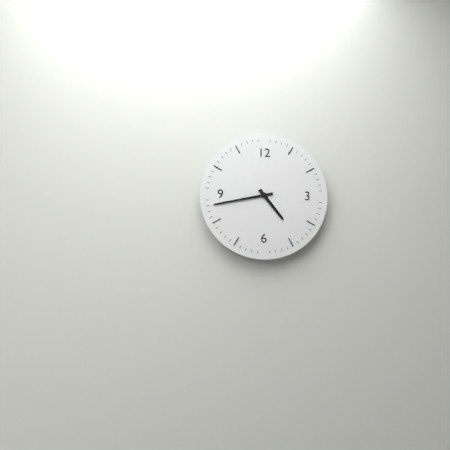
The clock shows 4:43
